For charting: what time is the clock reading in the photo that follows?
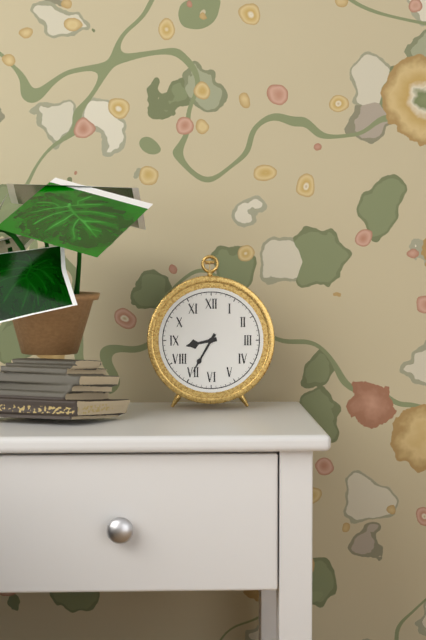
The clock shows 8:35
